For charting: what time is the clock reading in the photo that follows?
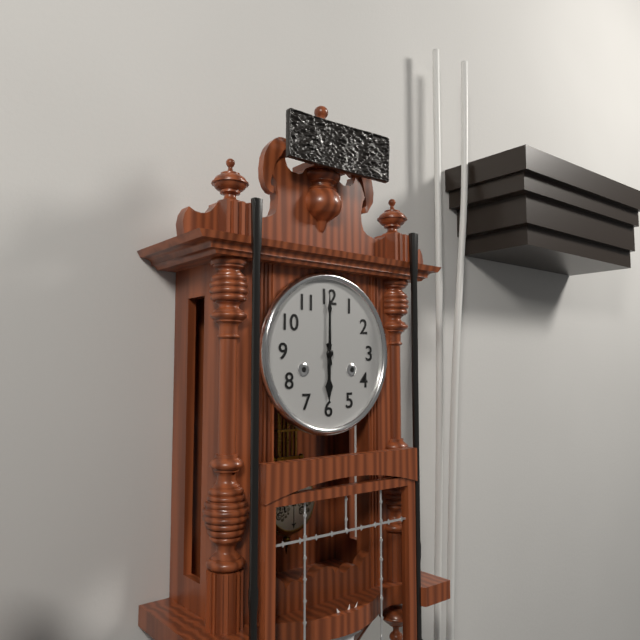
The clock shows 6:00
